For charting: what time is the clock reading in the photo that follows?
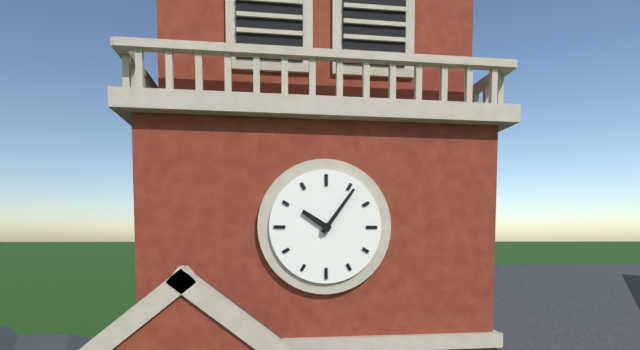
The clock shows 10:06
